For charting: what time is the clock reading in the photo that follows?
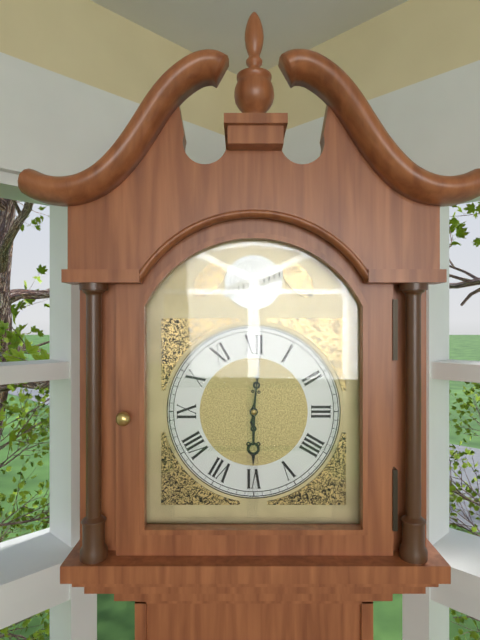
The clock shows 6:01
